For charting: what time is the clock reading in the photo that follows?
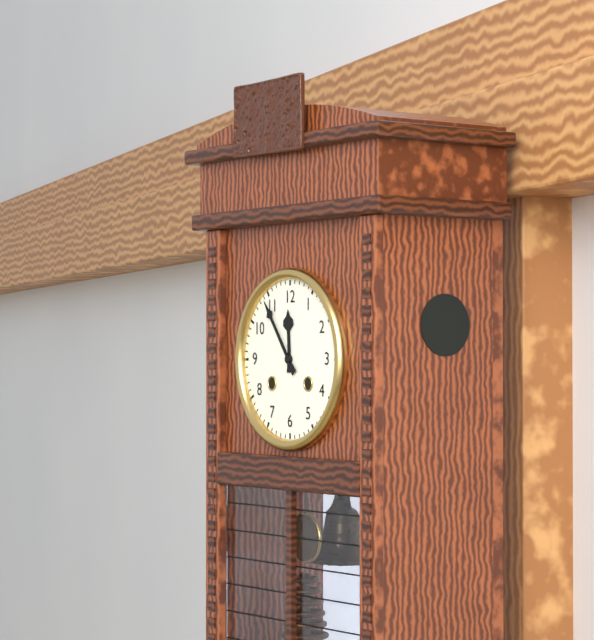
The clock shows 11:54
